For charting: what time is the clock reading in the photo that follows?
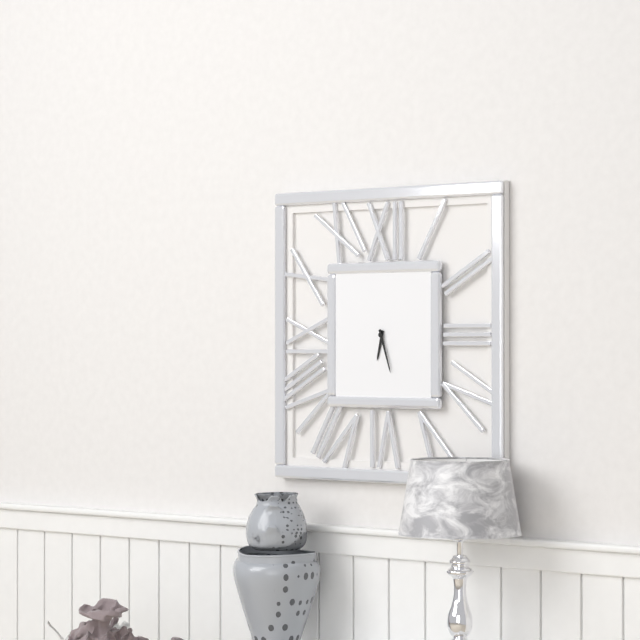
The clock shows 6:27
